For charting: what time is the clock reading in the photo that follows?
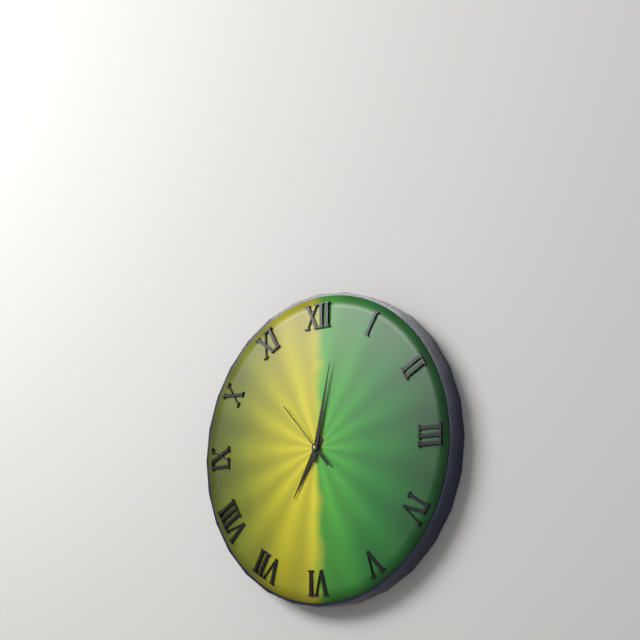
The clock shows 7:02:53
